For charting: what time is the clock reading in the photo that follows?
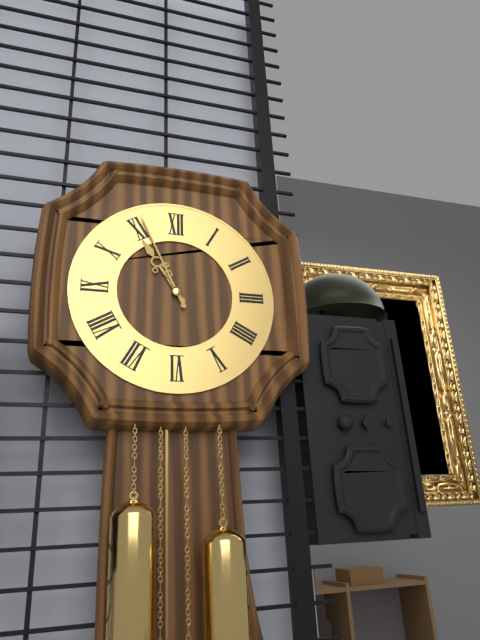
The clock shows 10:56
